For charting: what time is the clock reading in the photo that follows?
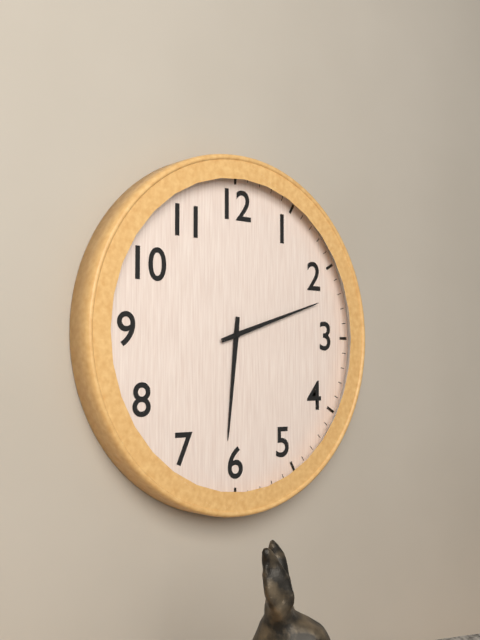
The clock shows 6:12
